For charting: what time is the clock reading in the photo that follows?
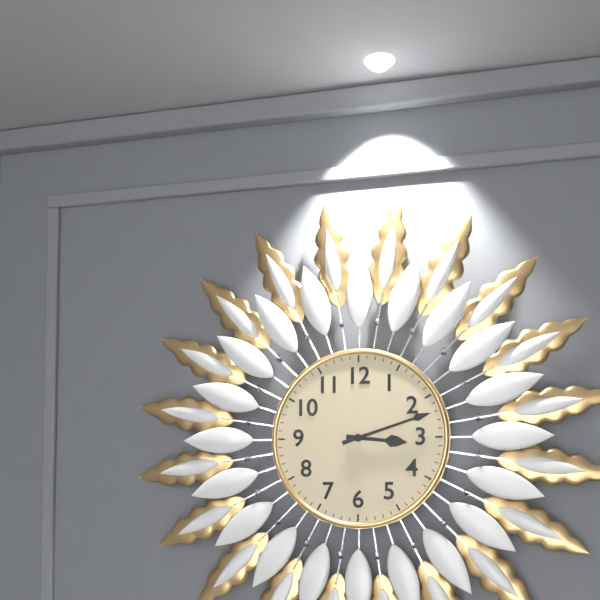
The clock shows 3:12
